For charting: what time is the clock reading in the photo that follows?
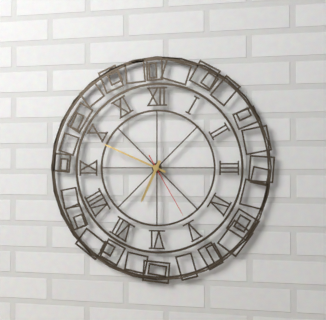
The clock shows 6:49:25
